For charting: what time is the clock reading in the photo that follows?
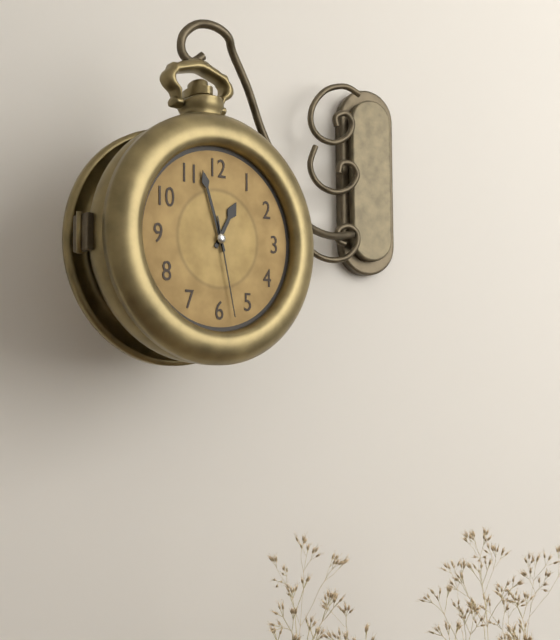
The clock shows 12:57:28
